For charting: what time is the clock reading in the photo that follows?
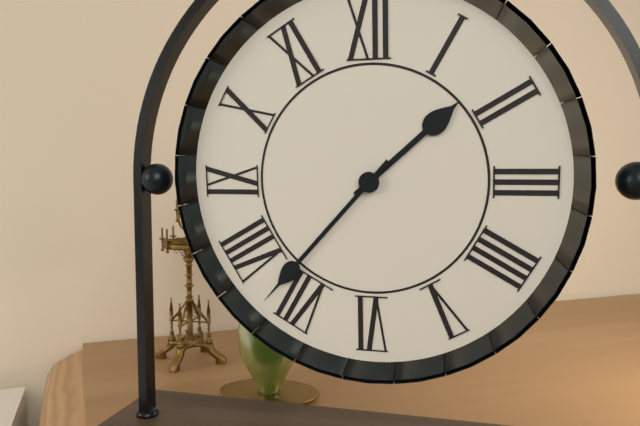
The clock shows 1:37
